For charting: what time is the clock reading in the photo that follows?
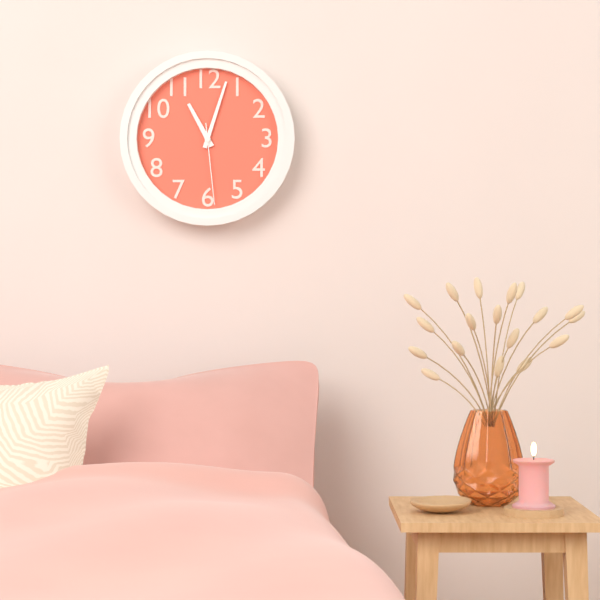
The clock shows 11:03:29
